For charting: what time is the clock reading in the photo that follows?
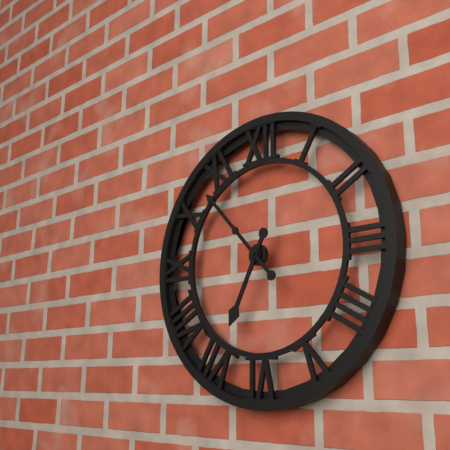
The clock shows 6:53
